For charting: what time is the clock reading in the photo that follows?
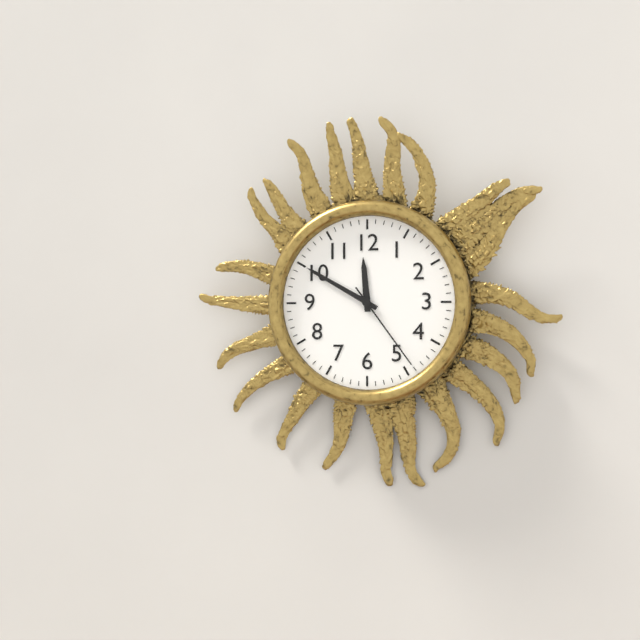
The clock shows 11:50:24
